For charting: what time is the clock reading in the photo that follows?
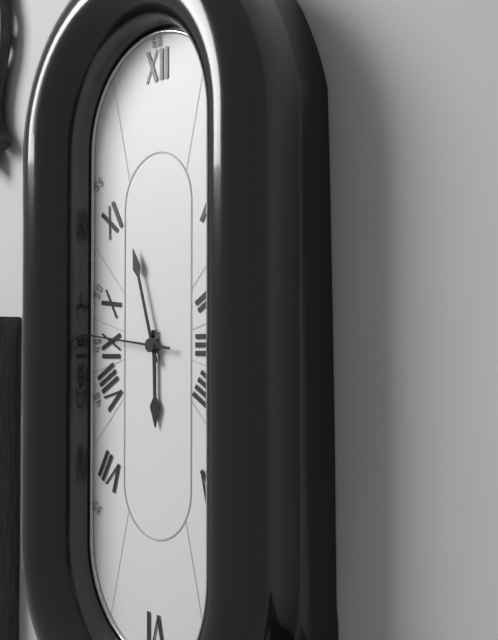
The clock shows 5:57:46
